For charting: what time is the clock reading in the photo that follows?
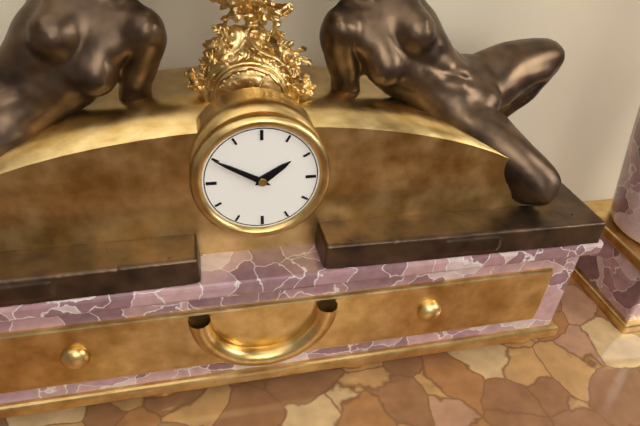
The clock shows 1:50
